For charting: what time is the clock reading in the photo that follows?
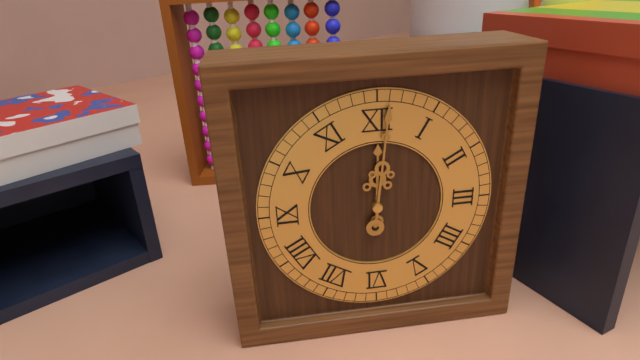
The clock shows 12:01
